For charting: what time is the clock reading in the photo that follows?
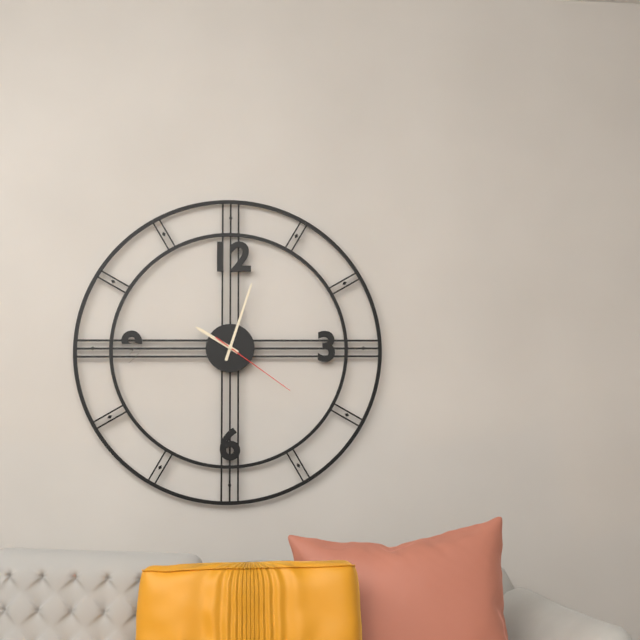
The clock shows 10:03:21
